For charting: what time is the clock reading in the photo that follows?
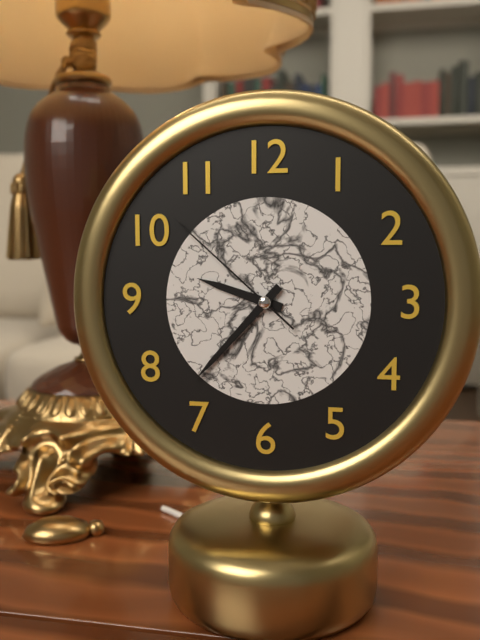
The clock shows 9:37:52
